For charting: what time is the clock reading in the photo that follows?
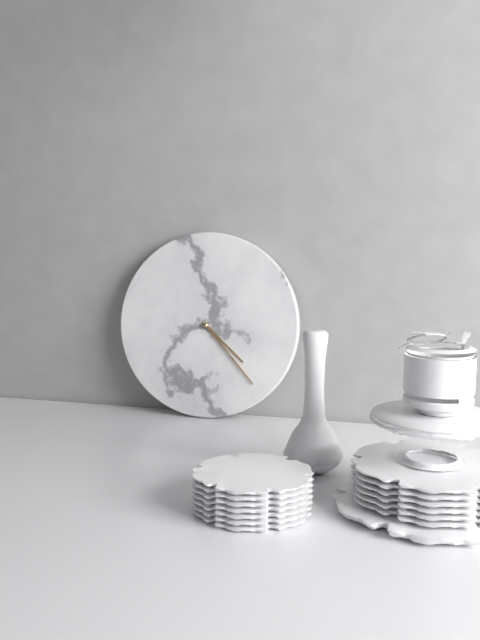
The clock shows 4:23
